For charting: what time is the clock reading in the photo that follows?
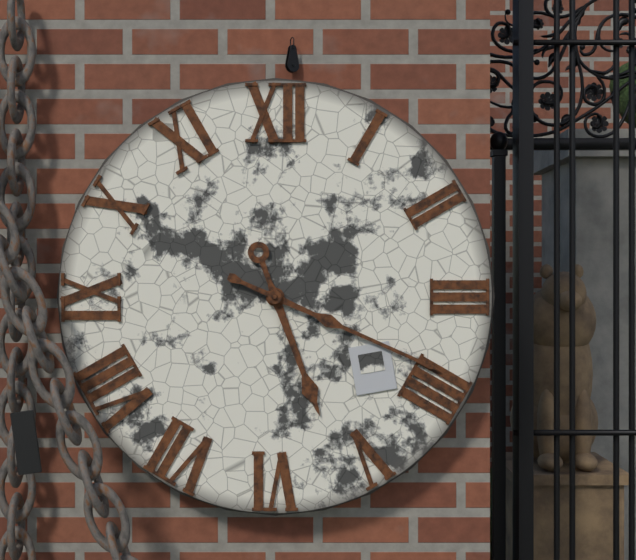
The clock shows 5:19
